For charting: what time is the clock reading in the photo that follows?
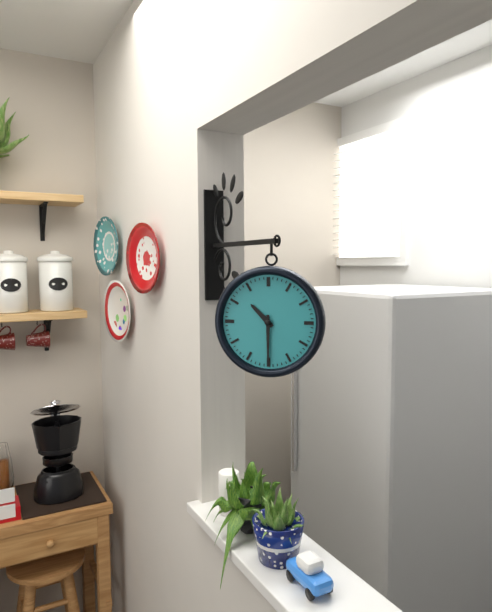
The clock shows 10:30
